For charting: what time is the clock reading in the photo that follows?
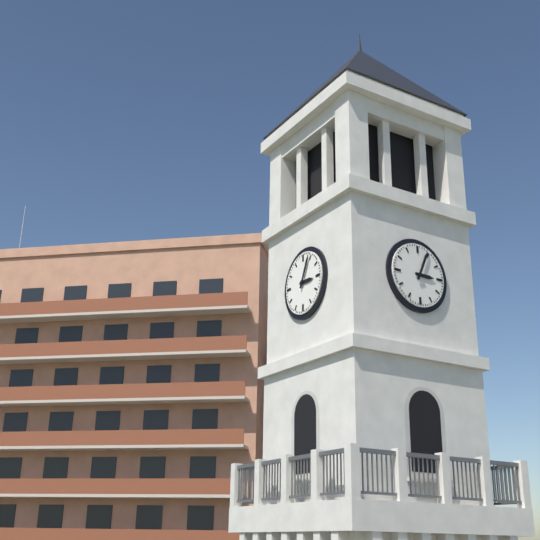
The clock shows 3:04
